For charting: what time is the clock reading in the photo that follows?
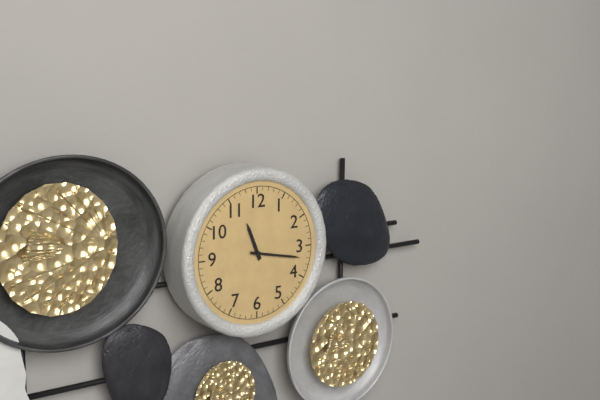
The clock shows 11:17
